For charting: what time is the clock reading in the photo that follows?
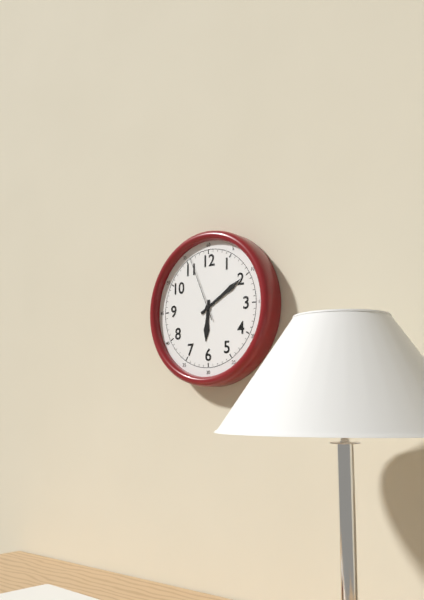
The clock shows 6:10:56
